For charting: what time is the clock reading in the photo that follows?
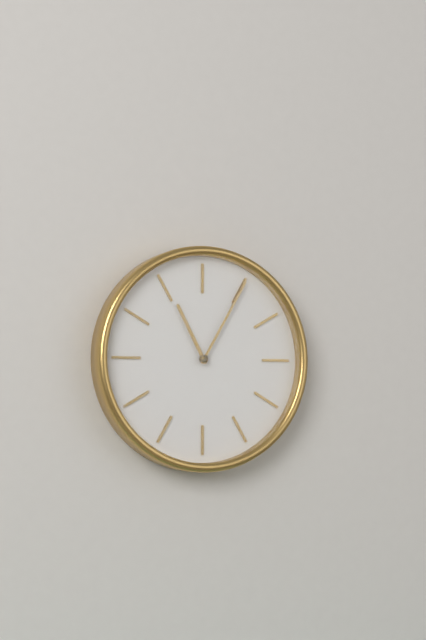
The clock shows 11:05
